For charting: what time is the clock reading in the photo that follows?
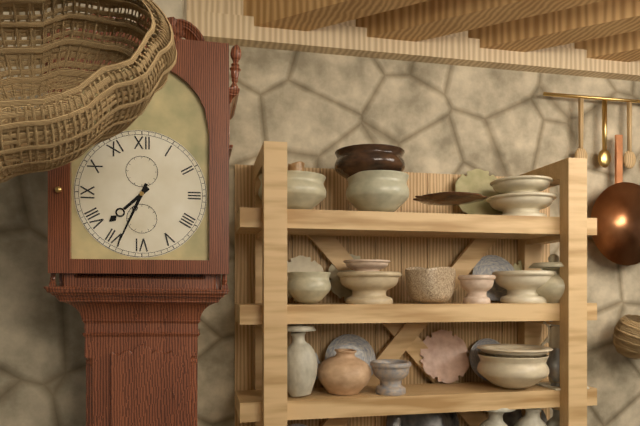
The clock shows 7:34
